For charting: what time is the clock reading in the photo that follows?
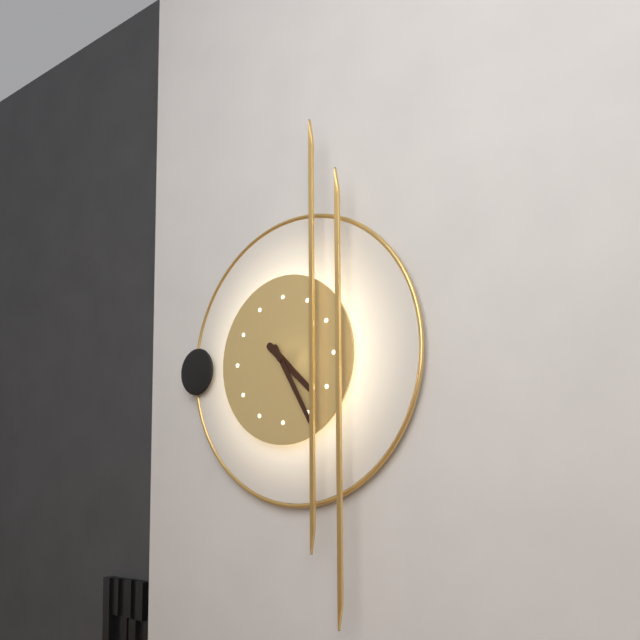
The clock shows 4:25
